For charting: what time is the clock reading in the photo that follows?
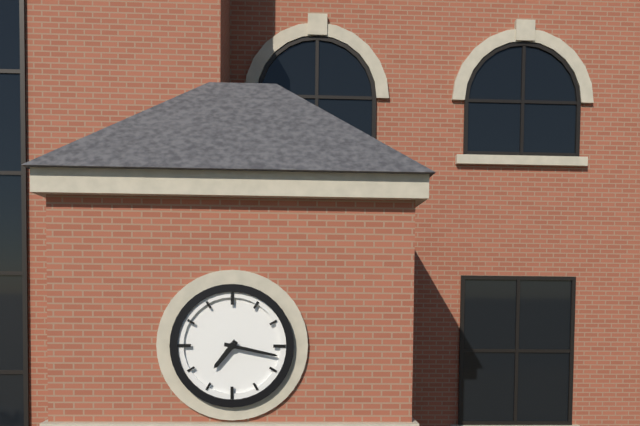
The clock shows 7:17
